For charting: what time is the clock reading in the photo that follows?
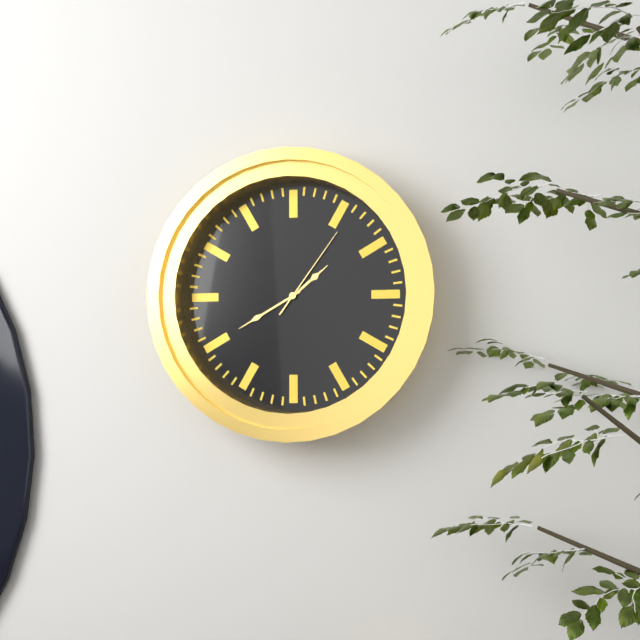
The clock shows 1:40:06
